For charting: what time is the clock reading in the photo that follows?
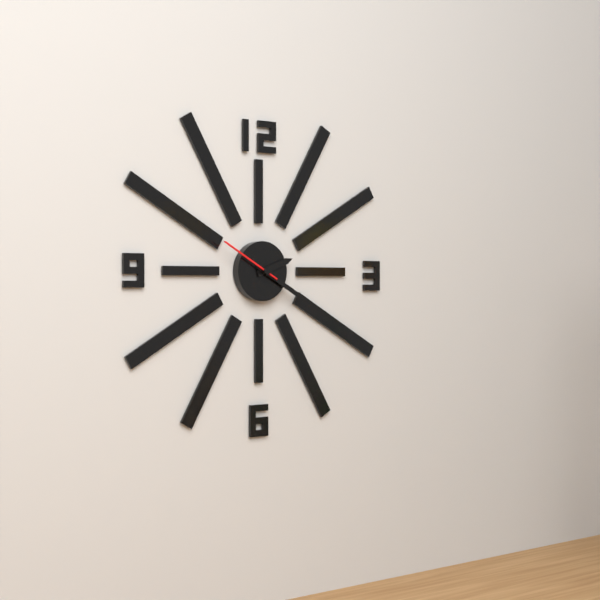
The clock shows 2:20:50
